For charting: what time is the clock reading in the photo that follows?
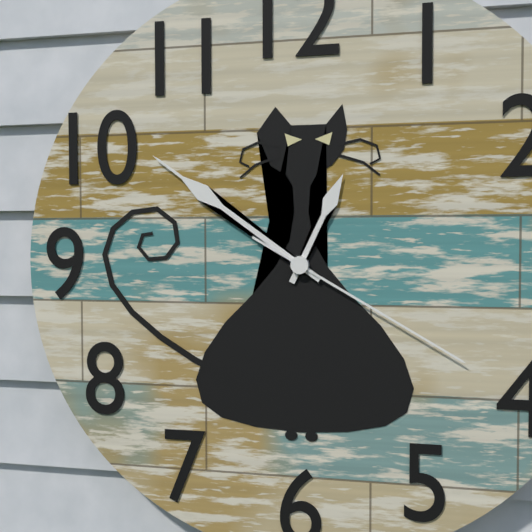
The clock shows 12:51:20
